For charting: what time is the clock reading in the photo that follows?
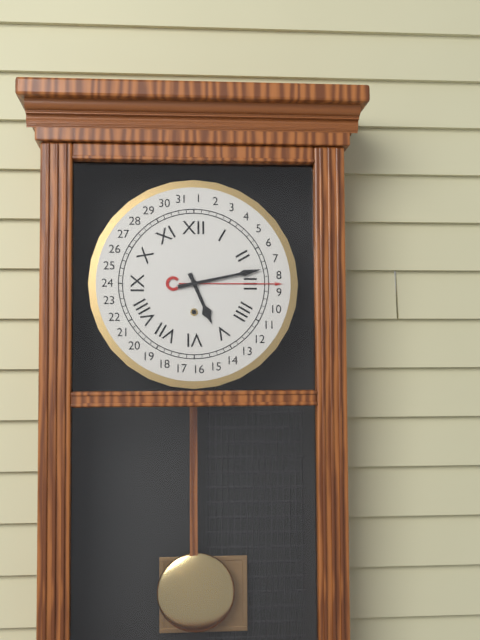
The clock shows 5:13
